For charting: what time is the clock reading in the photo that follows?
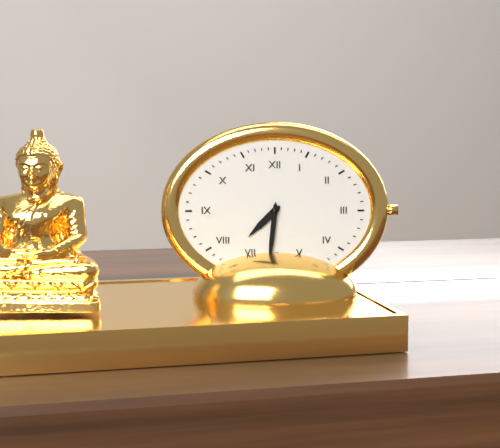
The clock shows 7:31
